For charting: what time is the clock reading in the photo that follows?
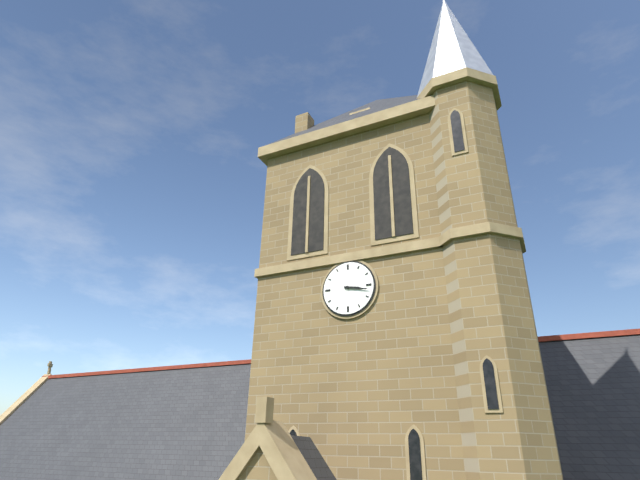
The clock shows 3:17
